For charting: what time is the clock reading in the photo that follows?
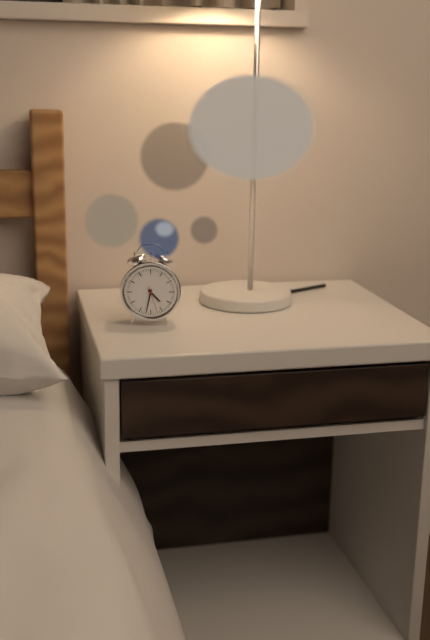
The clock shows 4:32
